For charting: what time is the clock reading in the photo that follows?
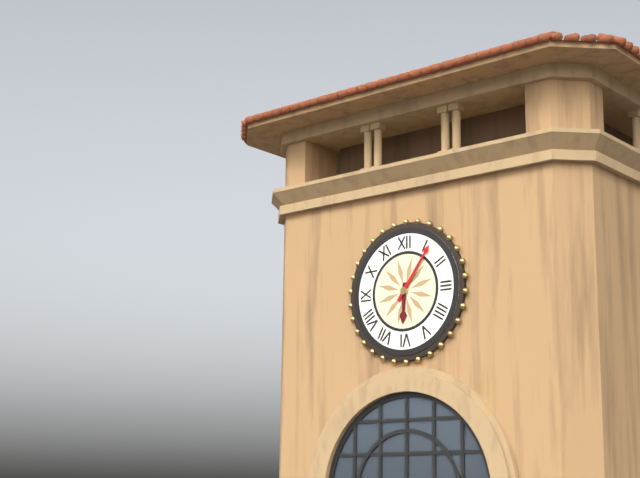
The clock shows 6:06
